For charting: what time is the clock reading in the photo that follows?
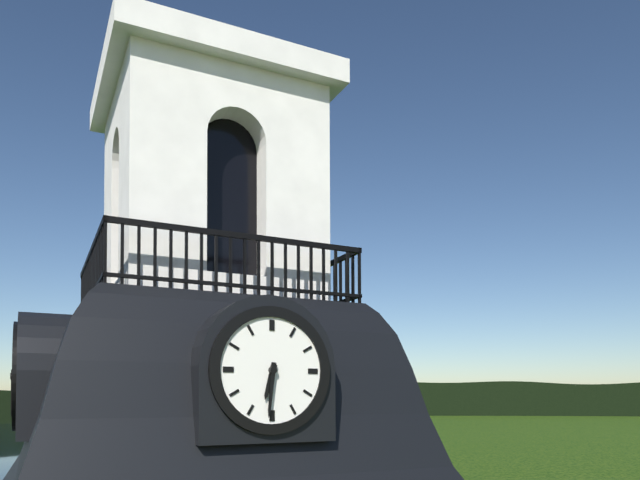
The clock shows 6:31
